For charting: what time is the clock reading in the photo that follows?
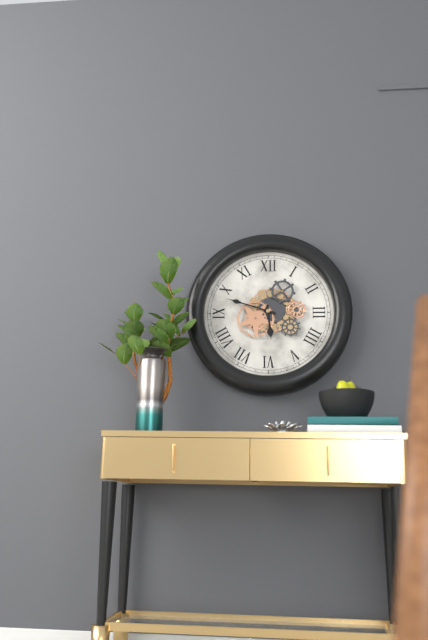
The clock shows 5:48
